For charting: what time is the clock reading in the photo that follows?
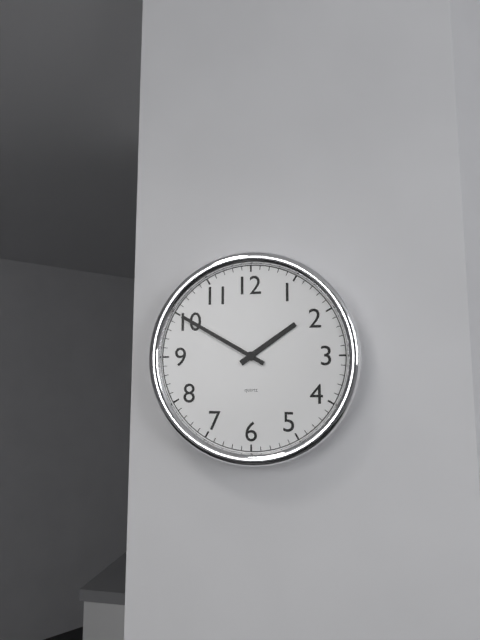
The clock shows 1:50
